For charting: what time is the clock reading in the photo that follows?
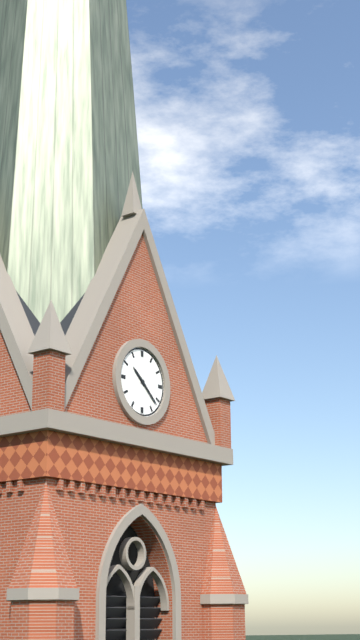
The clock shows 10:22
